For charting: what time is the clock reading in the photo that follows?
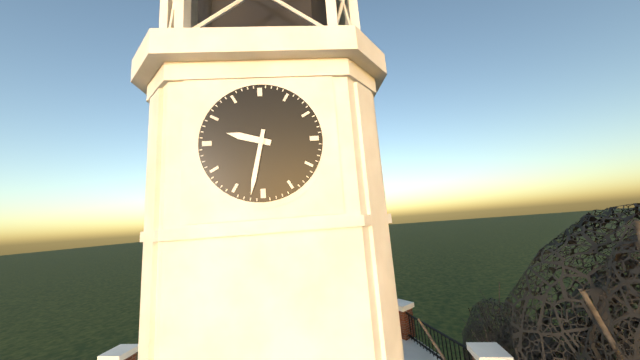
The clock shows 9:32
